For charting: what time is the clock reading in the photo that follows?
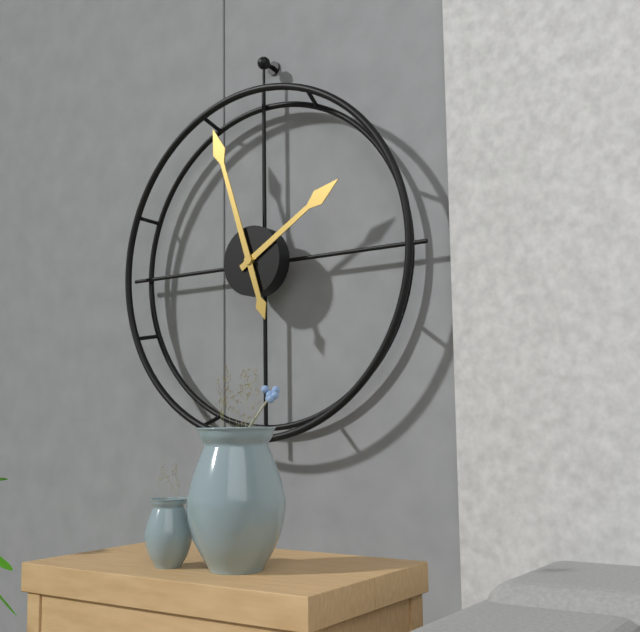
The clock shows 1:57
